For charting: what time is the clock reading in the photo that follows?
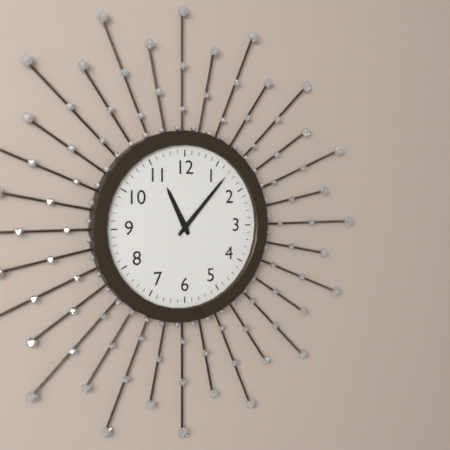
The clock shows 11:07
